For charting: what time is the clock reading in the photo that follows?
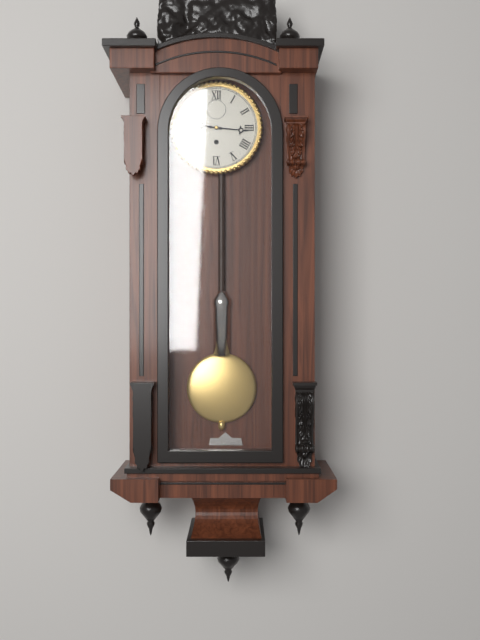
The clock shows 9:16
